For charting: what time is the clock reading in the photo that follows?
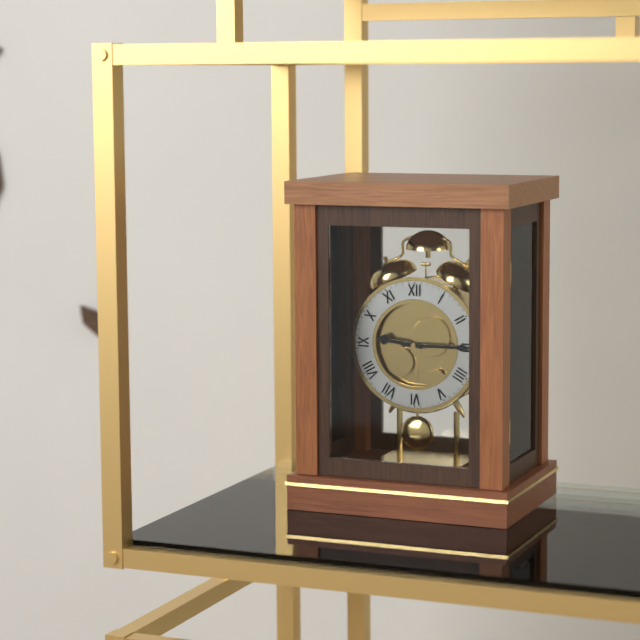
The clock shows 9:15
